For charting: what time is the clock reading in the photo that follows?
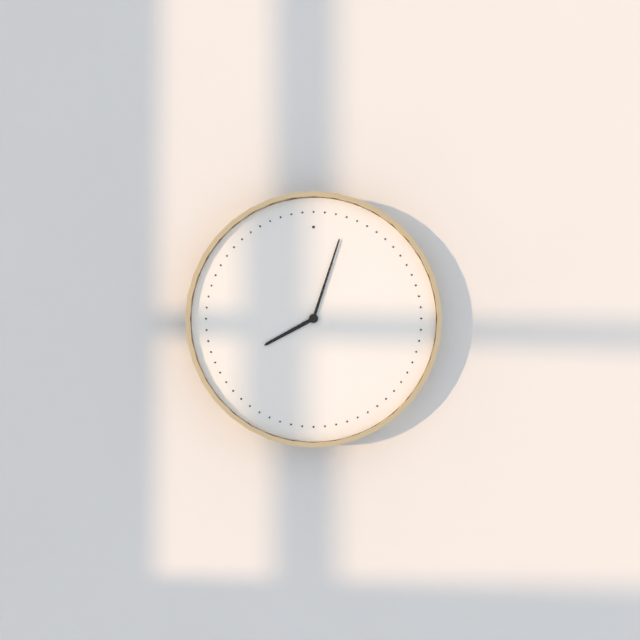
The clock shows 8:03
